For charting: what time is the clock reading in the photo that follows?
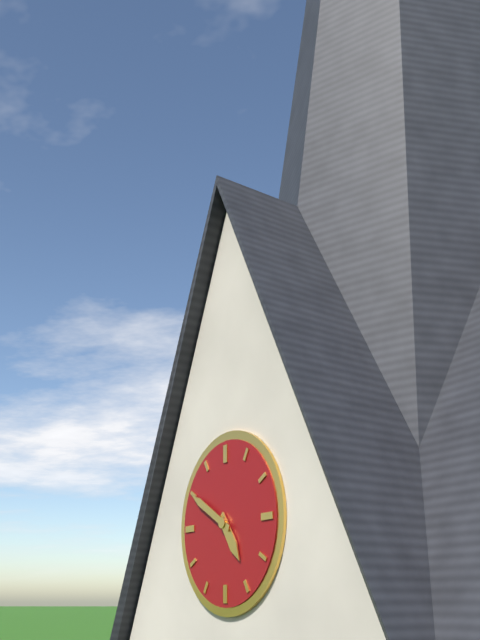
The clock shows 4:50
